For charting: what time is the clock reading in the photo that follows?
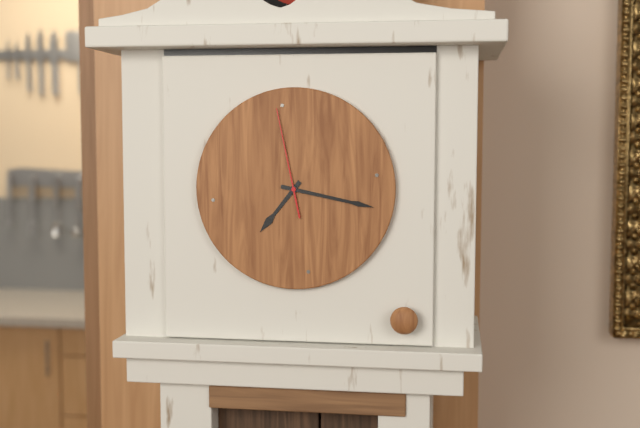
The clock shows 7:17:58
